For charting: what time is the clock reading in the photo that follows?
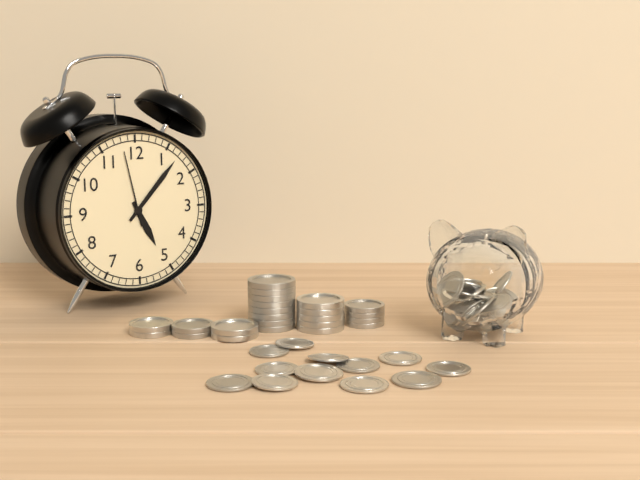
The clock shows 5:07:58
